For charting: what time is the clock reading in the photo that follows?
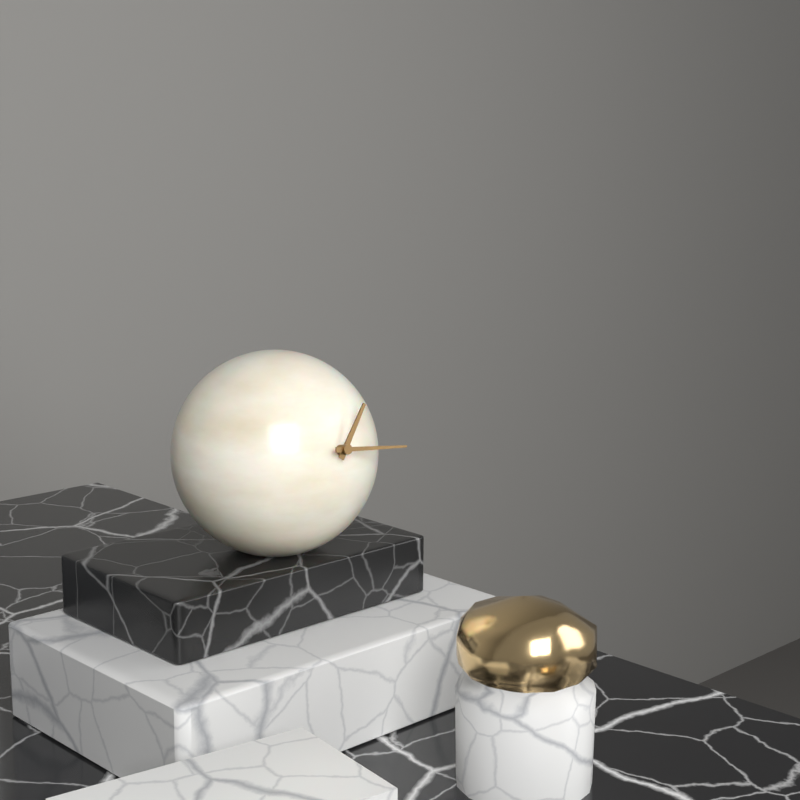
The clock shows 1:16
